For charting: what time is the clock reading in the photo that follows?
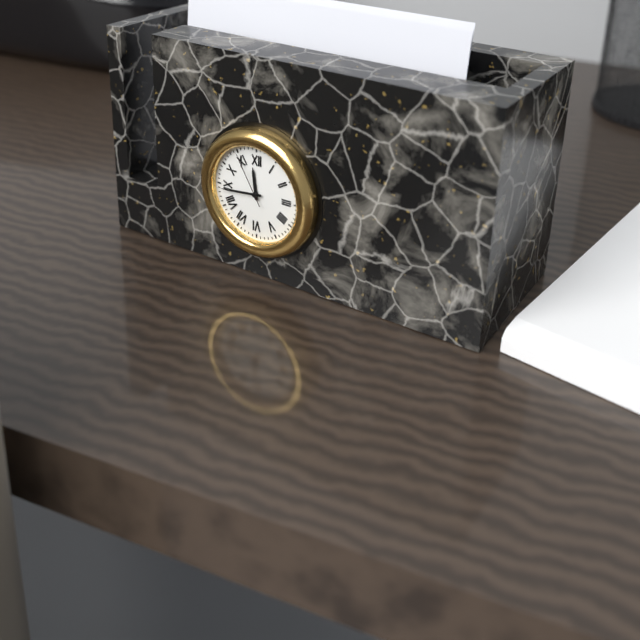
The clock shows 11:44:55
